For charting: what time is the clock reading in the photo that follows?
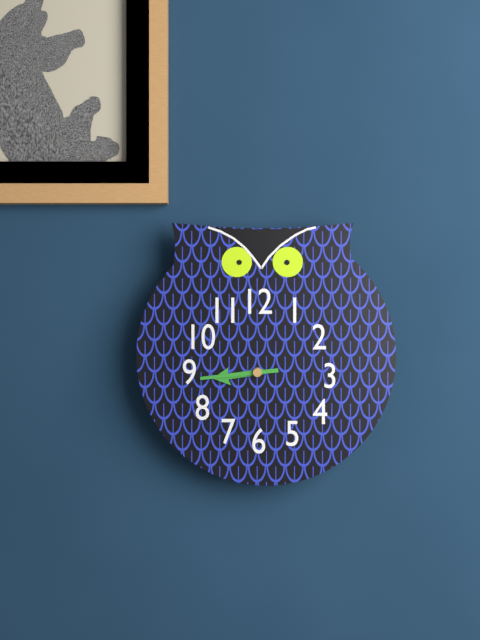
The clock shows 8:44
